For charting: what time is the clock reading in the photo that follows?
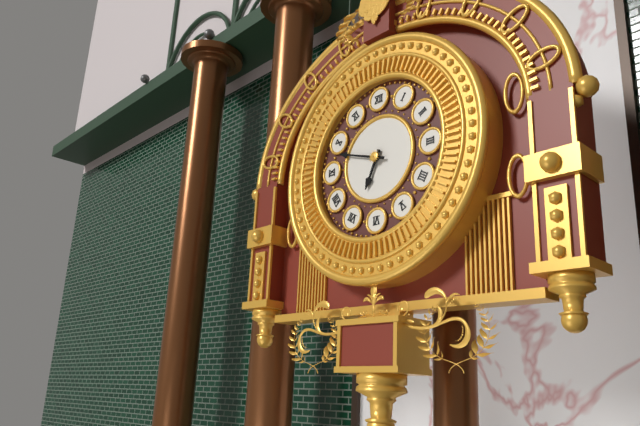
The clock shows 6:48
